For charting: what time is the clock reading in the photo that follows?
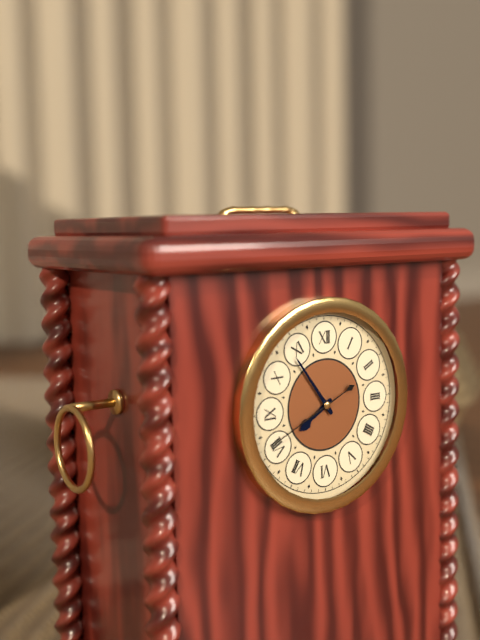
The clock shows 7:54:41
